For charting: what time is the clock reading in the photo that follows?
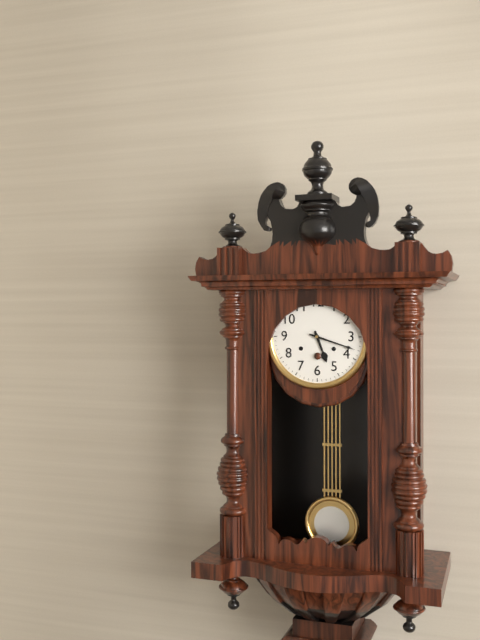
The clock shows 5:18
